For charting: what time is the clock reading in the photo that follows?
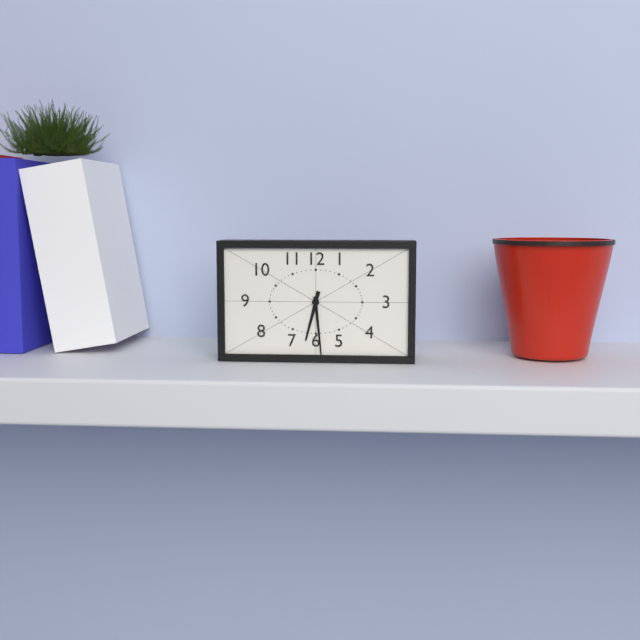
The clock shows 6:29
